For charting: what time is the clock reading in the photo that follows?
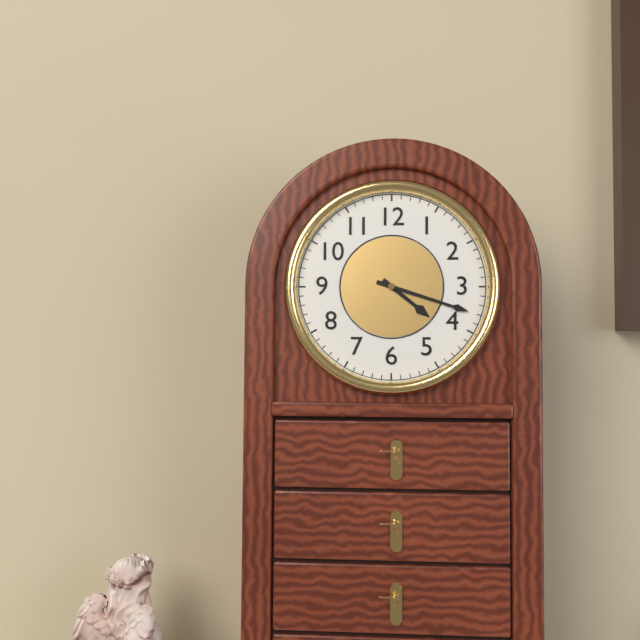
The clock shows 4:18
